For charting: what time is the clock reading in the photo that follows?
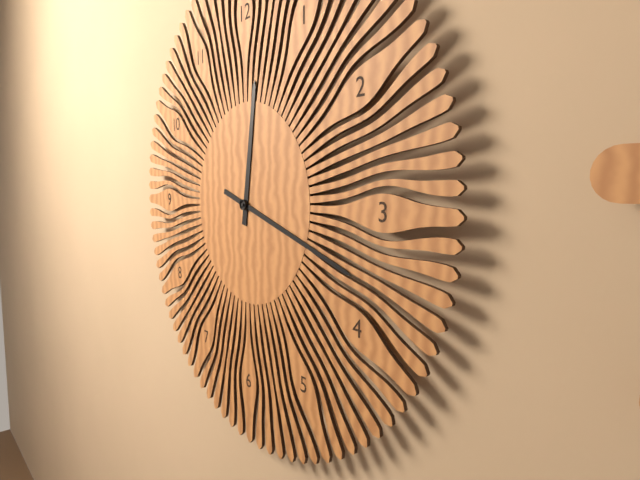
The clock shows 12:18
